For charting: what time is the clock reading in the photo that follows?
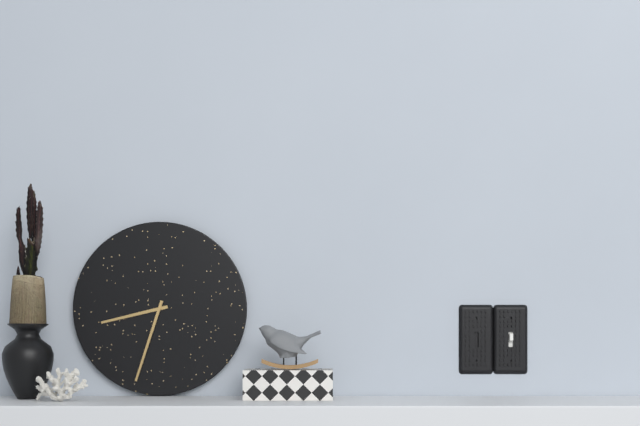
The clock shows 8:33
